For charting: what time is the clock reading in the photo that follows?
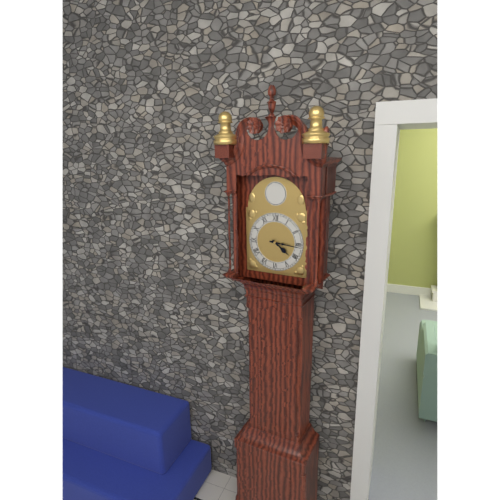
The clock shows 4:16
